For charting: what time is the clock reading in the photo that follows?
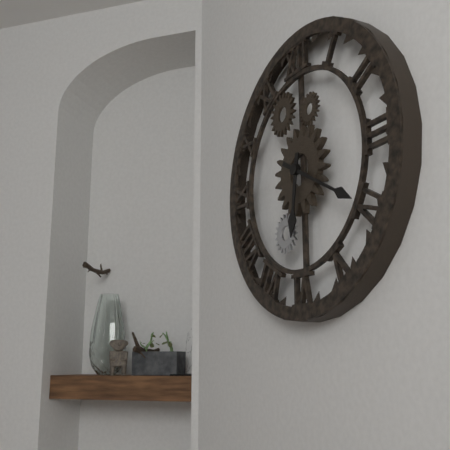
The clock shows 6:20
